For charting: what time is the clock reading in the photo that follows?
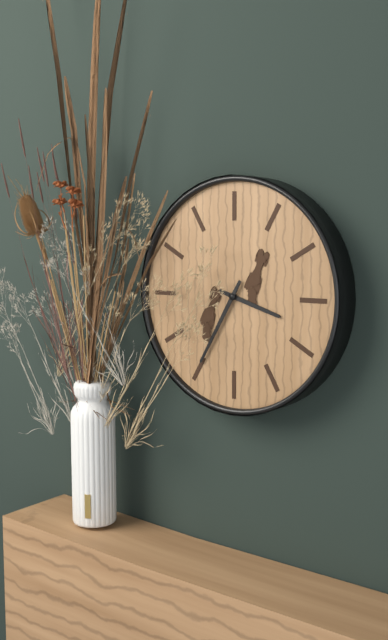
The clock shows 3:35
